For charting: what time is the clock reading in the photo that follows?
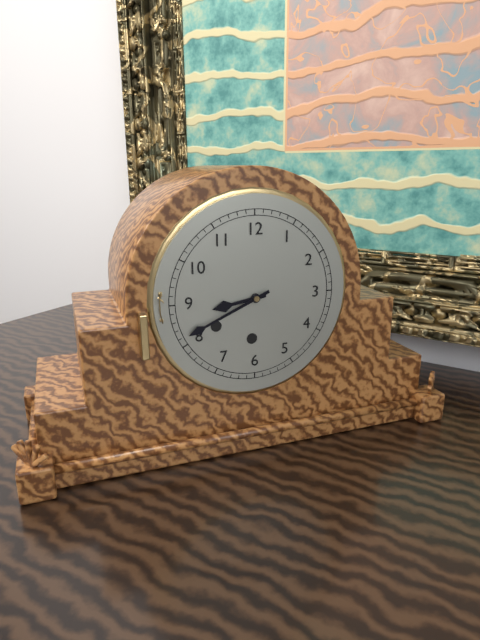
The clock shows 8:41
